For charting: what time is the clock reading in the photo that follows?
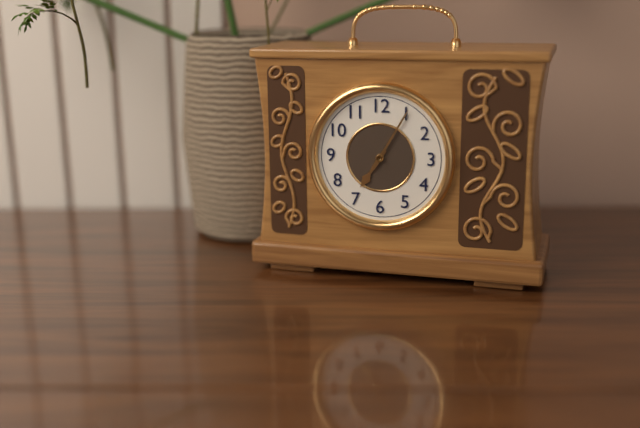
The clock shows 7:05
